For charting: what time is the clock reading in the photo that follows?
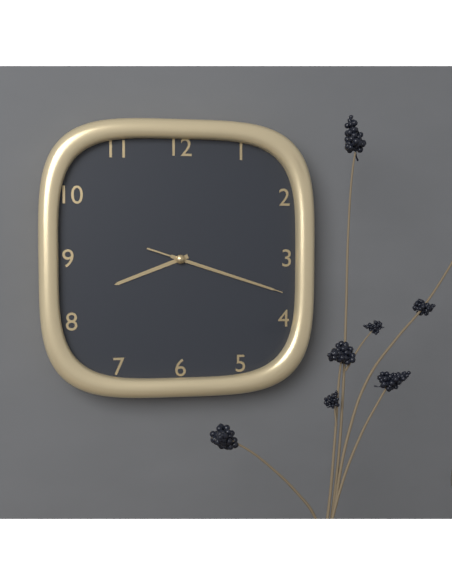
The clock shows 8:18:18
